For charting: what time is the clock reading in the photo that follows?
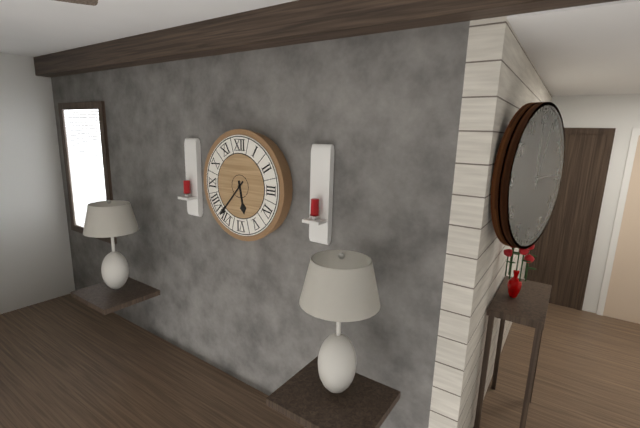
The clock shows 5:37
